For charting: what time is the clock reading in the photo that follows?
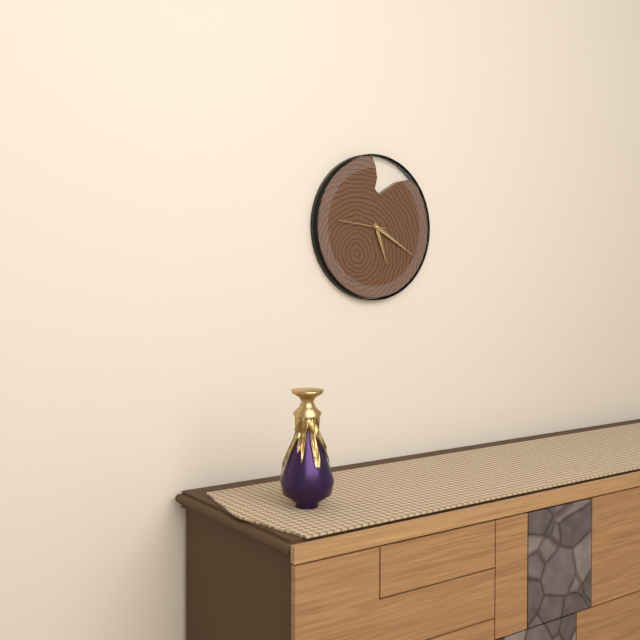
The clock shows 5:20
